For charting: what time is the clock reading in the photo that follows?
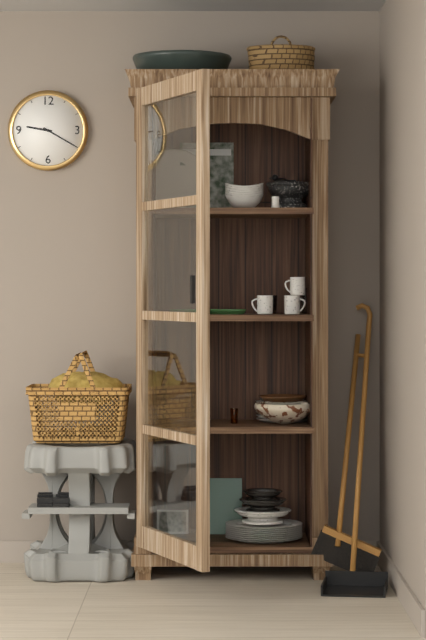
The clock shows 9:20
